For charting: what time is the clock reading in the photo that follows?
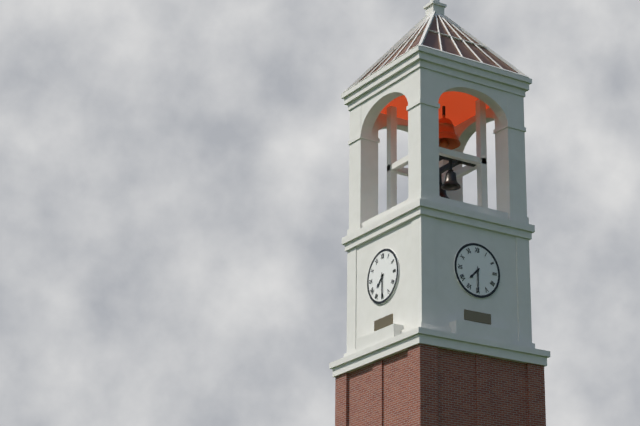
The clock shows 7:30
